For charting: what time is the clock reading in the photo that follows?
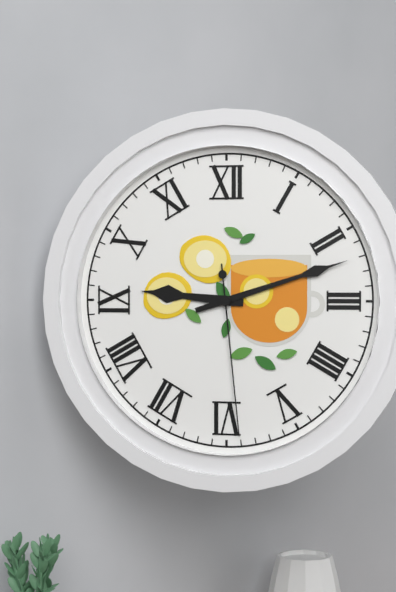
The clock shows 9:12:29
